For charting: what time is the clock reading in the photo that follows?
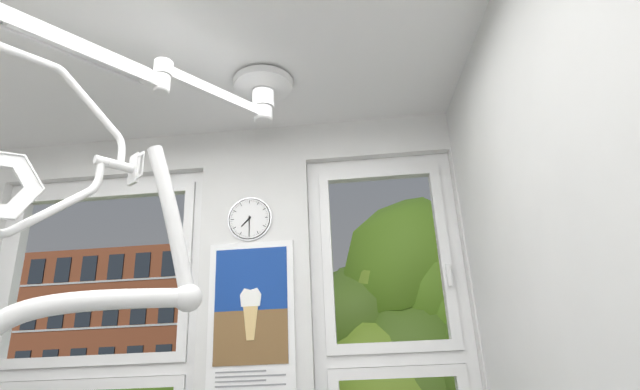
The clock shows 7:30
